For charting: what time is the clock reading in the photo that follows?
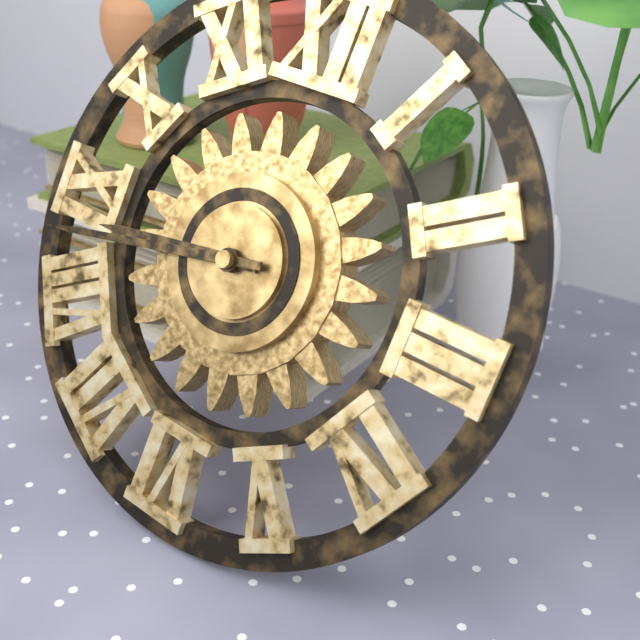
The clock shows 8:43
